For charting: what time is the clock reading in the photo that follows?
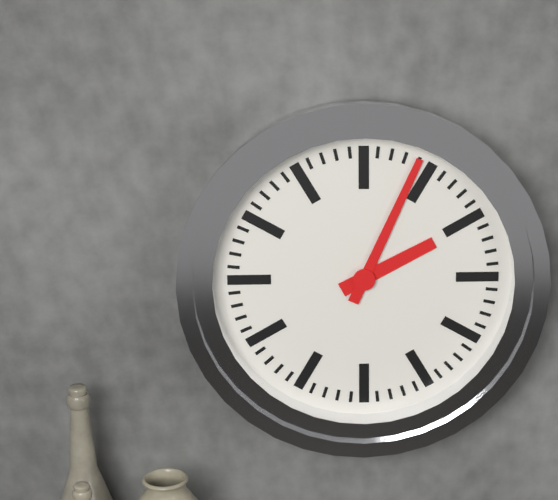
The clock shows 2:04
